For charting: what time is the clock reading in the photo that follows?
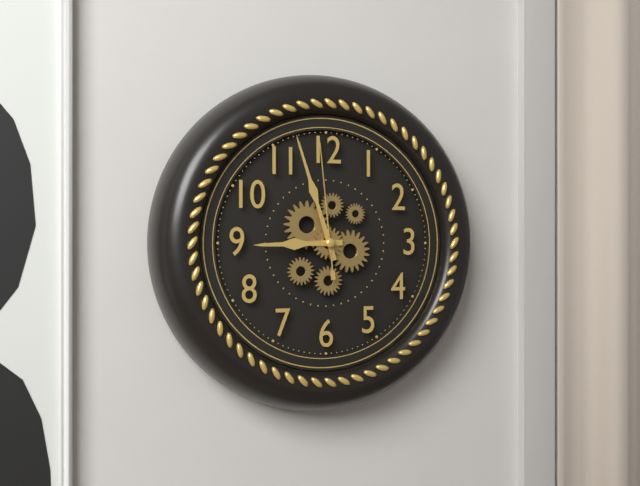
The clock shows 8:57:59
